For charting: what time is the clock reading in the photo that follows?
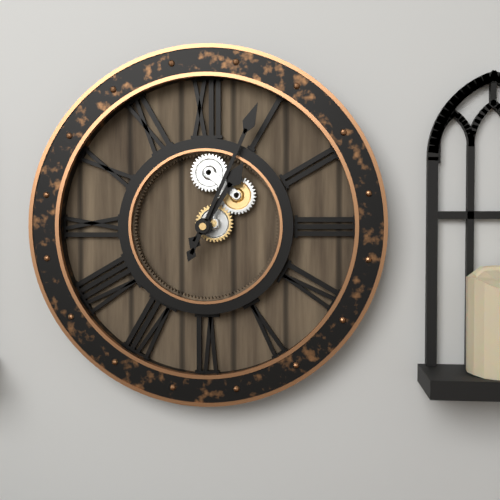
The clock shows 1:04
